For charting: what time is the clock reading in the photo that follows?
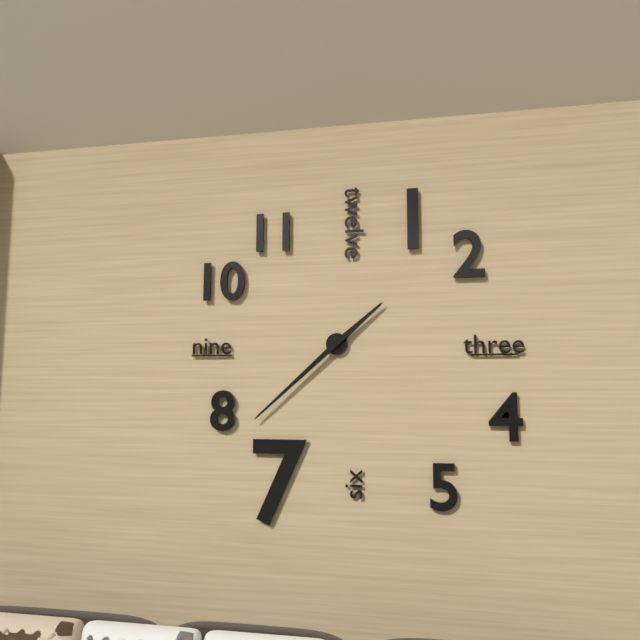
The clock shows 1:38
